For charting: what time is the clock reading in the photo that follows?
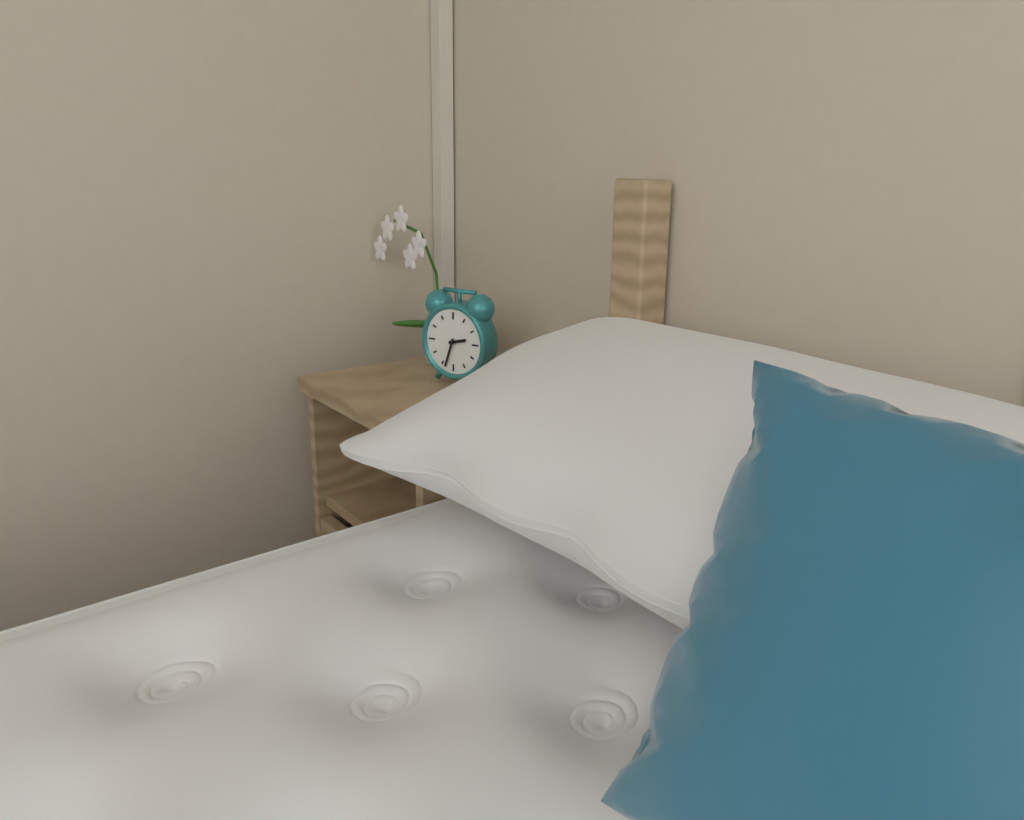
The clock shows 2:33
